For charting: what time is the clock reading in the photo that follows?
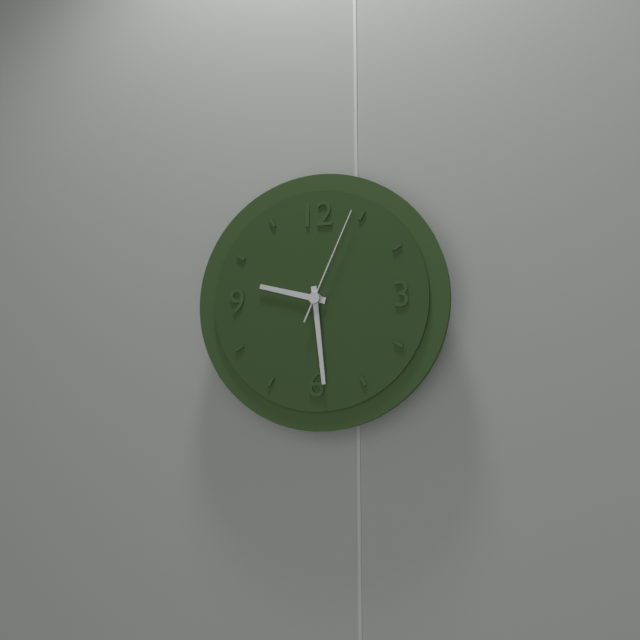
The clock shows 9:29:04
